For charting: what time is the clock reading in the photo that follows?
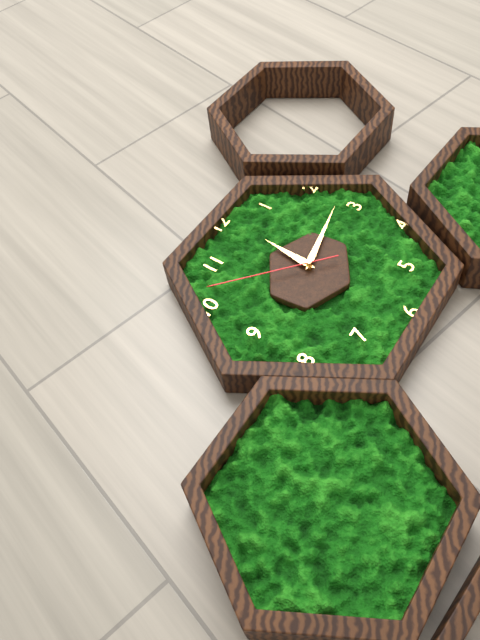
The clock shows 12:13:52
